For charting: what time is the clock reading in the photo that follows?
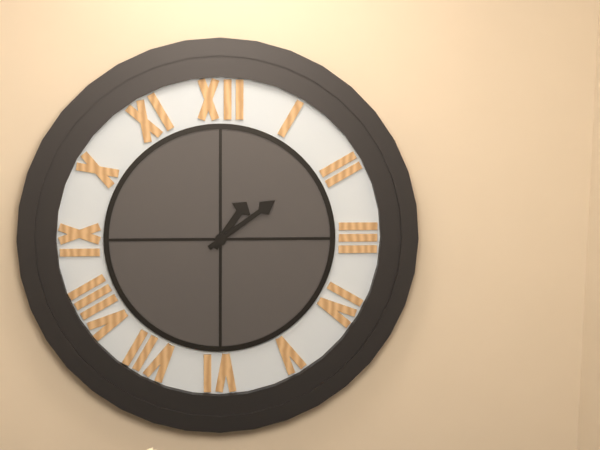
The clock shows 1:09
